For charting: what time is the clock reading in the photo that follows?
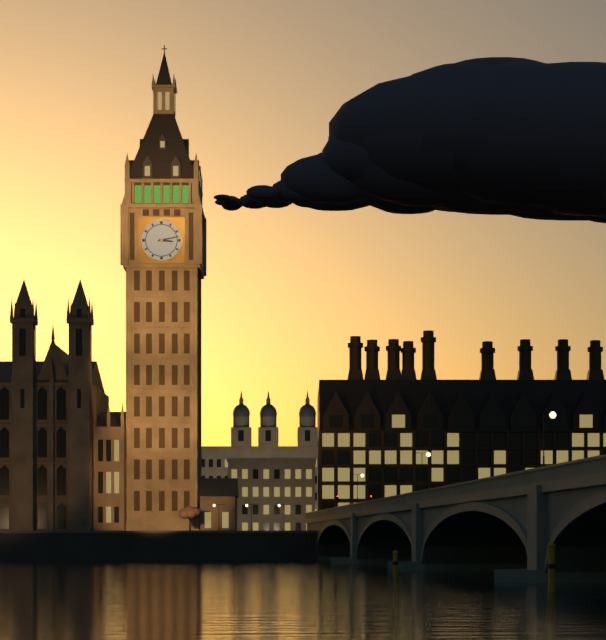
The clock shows 3:13
